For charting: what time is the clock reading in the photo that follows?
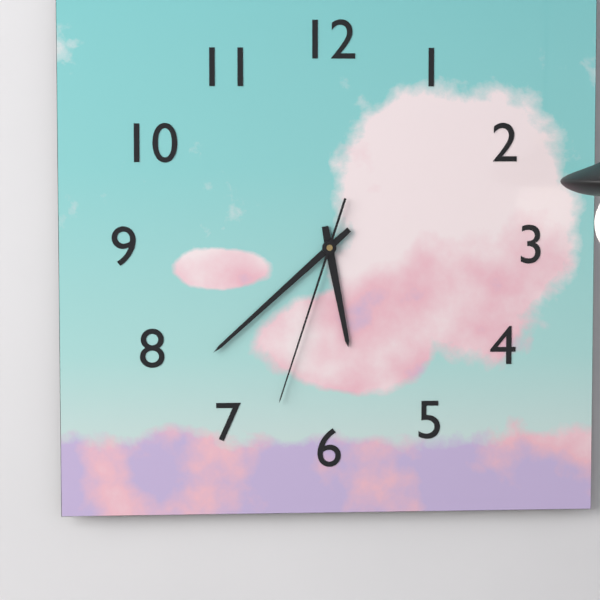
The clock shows 5:38:33
